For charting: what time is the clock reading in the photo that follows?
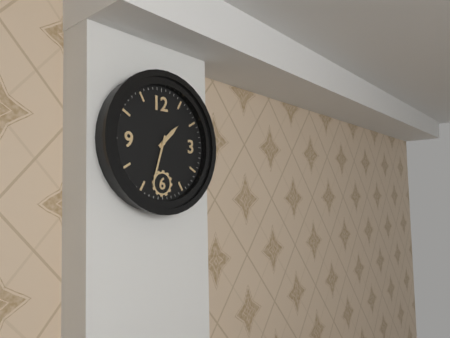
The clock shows 1:33
